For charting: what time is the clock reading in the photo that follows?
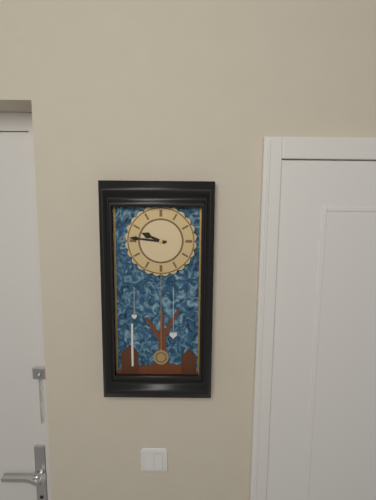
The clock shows 9:46
